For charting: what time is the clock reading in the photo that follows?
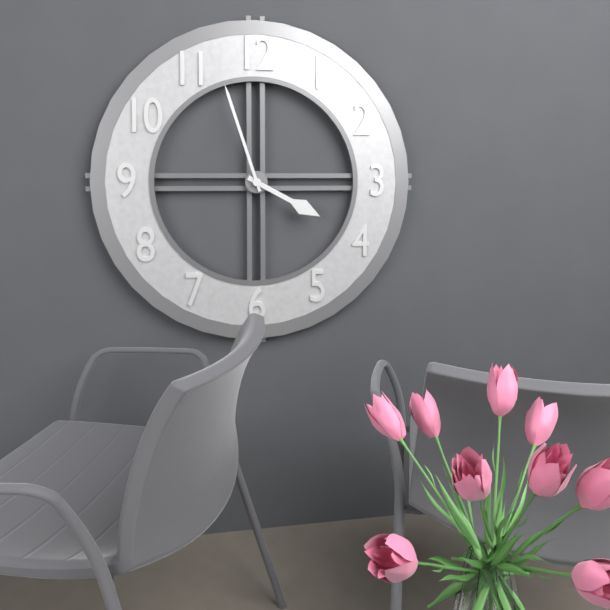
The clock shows 3:57
